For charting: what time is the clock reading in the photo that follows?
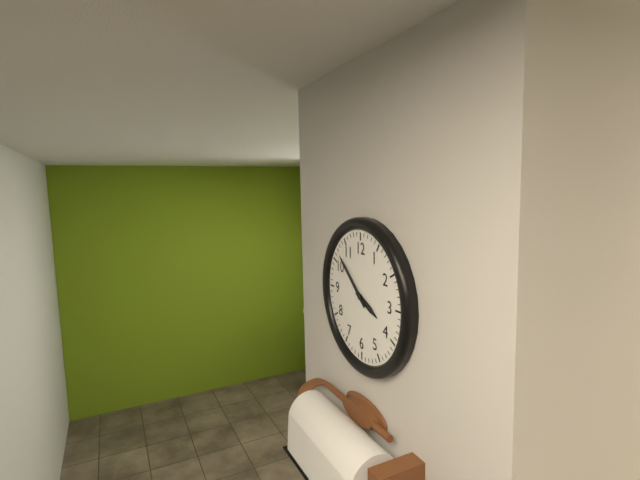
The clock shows 3:52
